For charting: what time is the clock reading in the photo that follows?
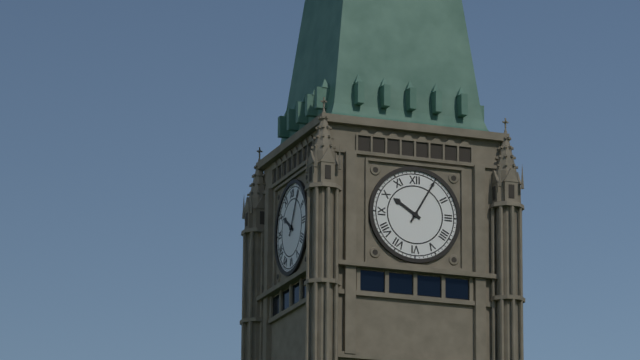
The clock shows 10:05
